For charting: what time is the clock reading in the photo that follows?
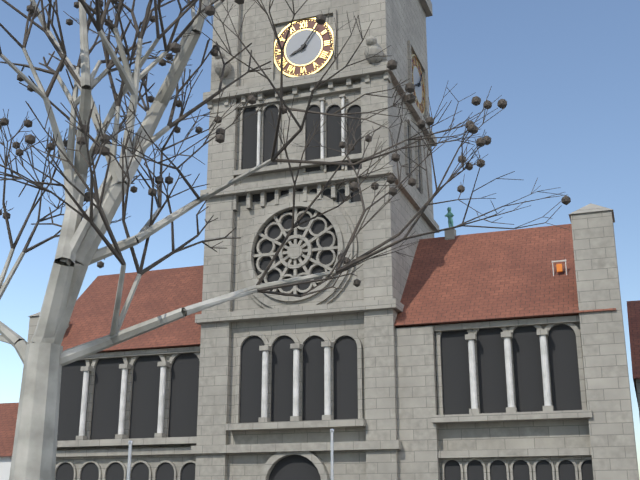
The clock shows 8:06
